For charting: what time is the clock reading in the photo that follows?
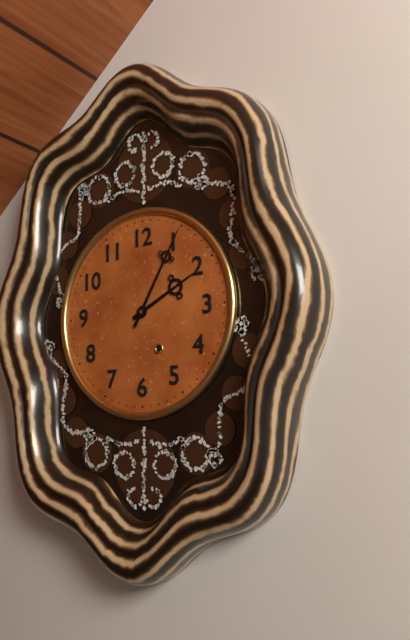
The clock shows 2:05
